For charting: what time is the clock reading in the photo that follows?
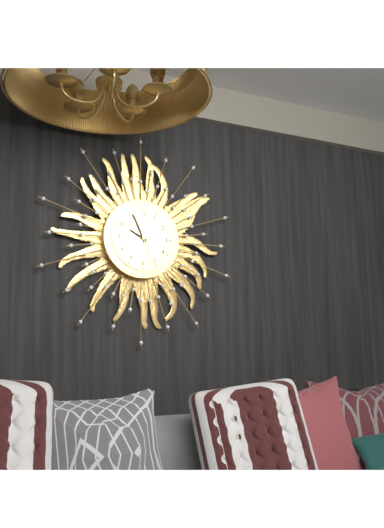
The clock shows 9:56
